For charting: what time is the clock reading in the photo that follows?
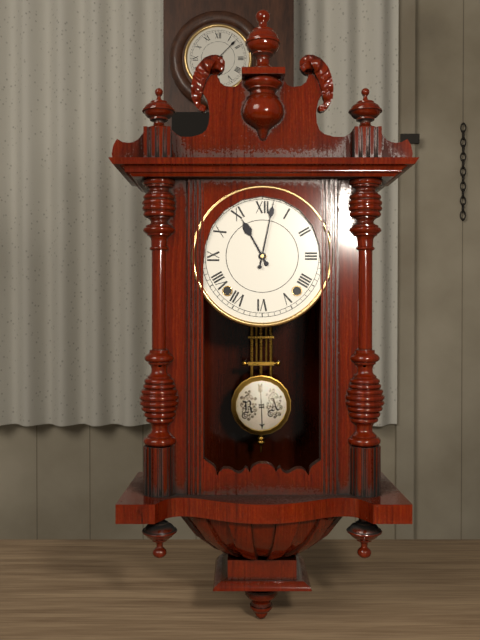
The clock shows 11:02
